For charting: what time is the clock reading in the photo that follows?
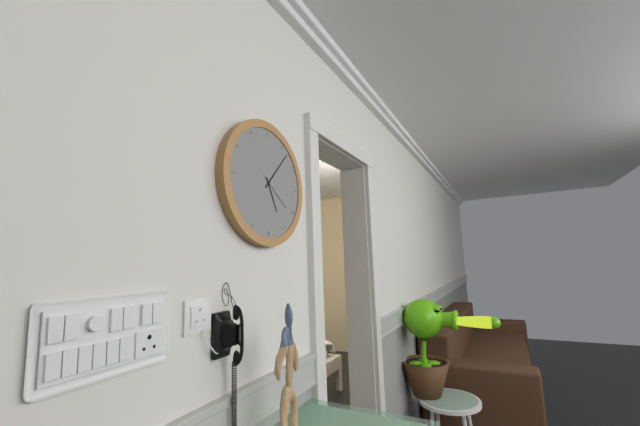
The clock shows 5:07
